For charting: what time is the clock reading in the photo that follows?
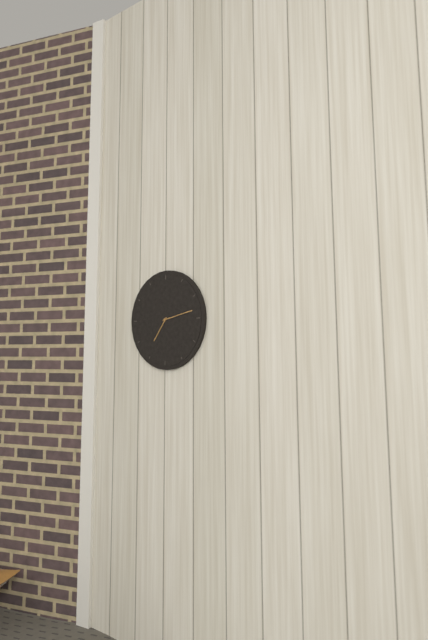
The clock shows 7:13
